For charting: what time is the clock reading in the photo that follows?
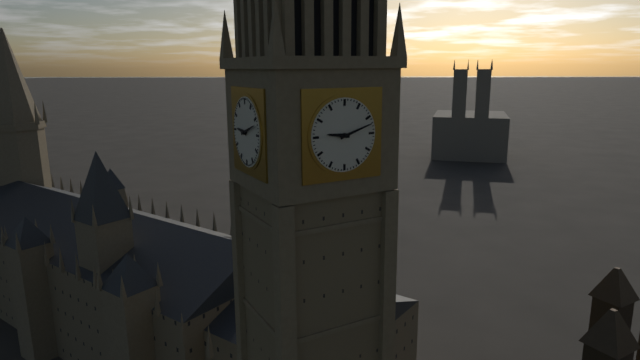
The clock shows 9:12
